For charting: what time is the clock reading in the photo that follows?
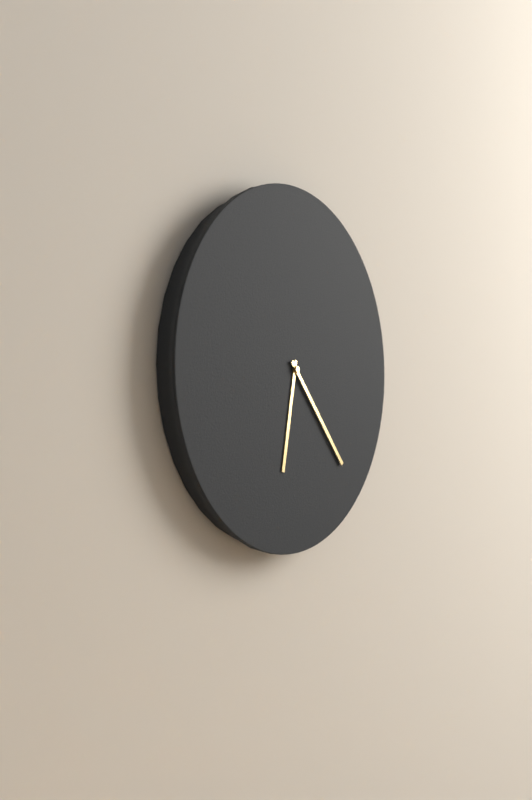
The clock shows 6:23
